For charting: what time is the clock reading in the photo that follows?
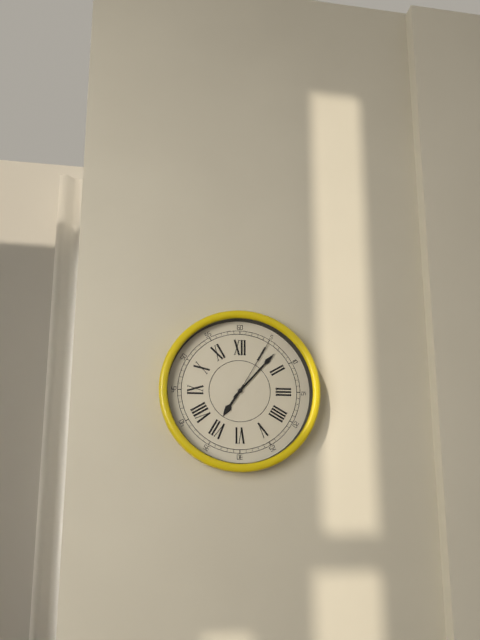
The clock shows 7:07:05
